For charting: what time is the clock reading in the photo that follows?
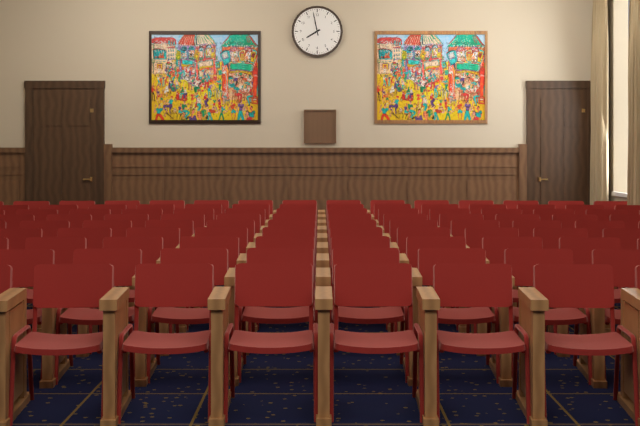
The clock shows 7:58
